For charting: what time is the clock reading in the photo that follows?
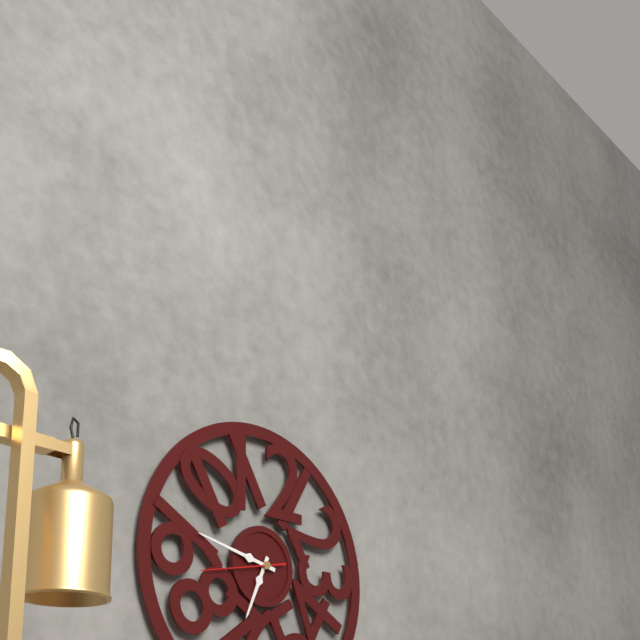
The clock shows 6:47:43
